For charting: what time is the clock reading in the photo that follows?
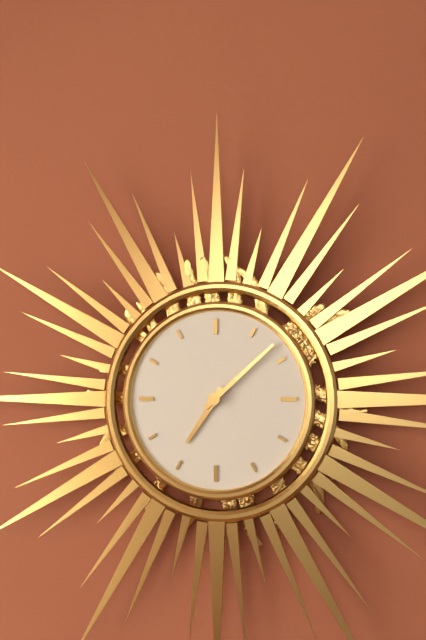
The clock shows 7:08
